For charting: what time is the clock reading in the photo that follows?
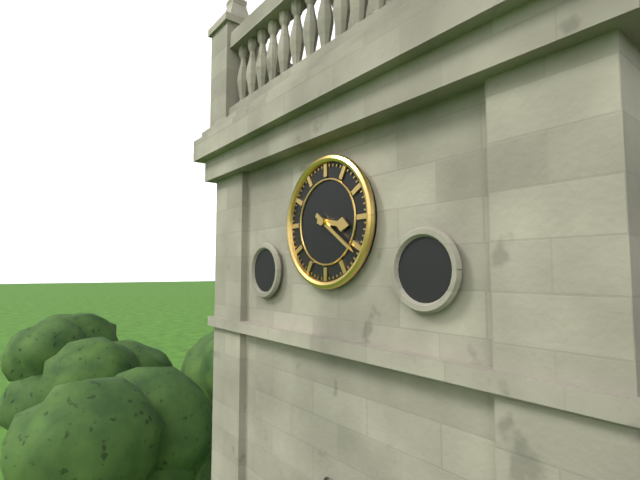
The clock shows 3:21
